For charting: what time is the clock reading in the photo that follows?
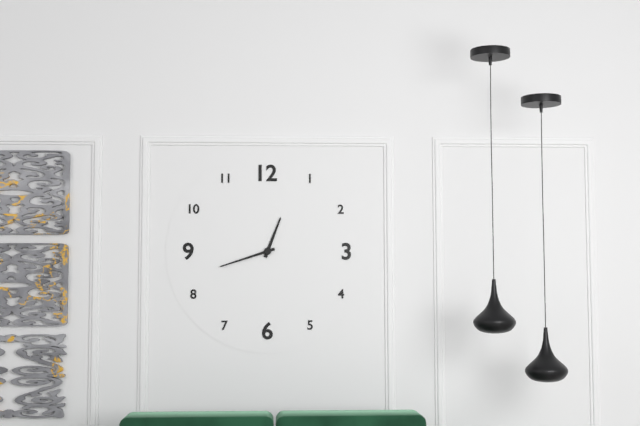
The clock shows 12:42
